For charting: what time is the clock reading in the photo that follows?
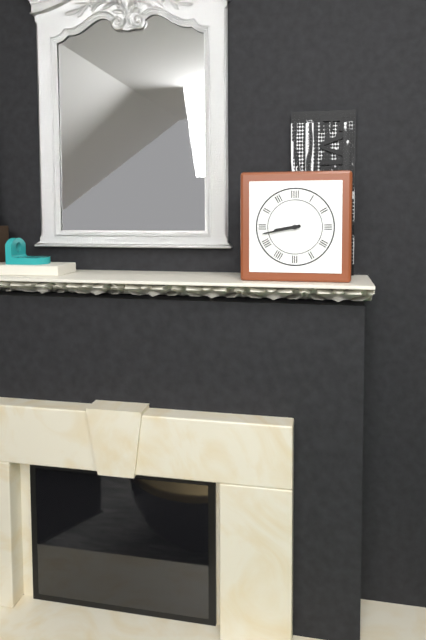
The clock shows 8:43
